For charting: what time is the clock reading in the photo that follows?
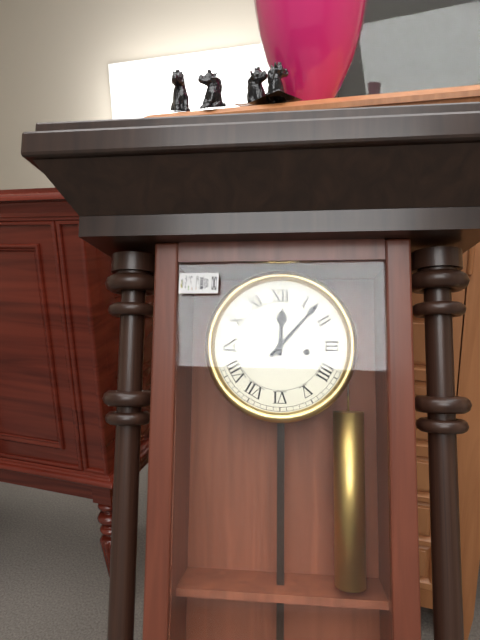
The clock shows 12:07
